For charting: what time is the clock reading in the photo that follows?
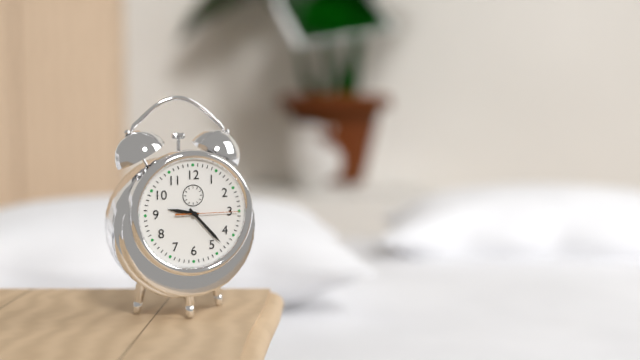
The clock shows 9:23:15
